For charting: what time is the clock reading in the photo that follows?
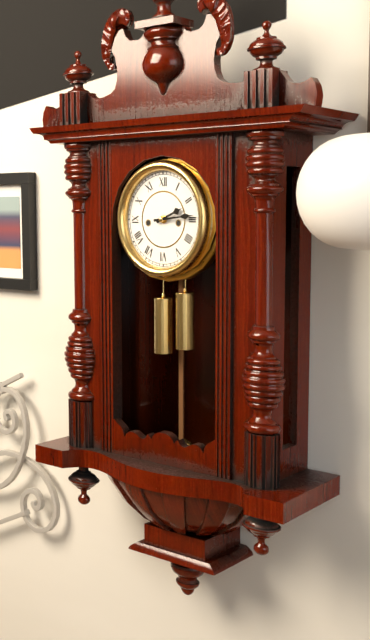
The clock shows 2:14
